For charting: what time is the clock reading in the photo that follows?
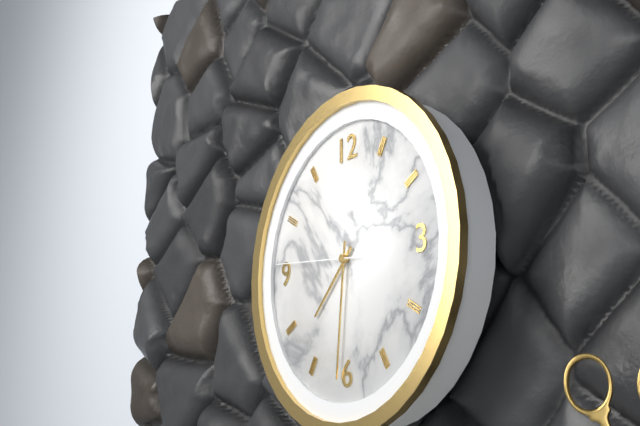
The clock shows 7:31:46
